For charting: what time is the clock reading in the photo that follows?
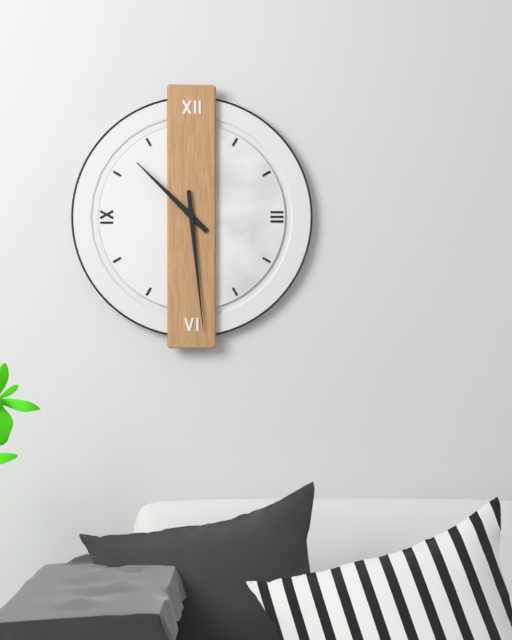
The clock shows 10:29
